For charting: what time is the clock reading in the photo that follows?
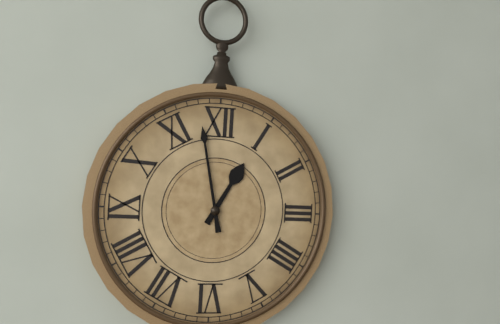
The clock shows 12:58
